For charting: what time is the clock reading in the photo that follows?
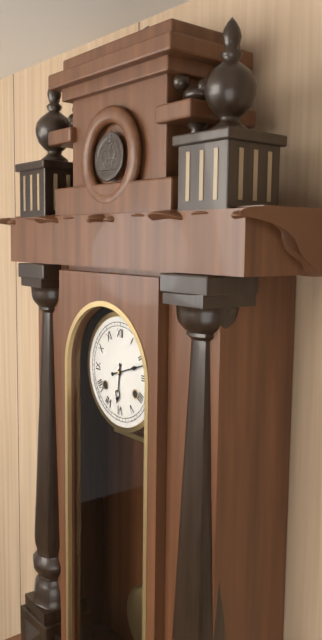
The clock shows 6:12
